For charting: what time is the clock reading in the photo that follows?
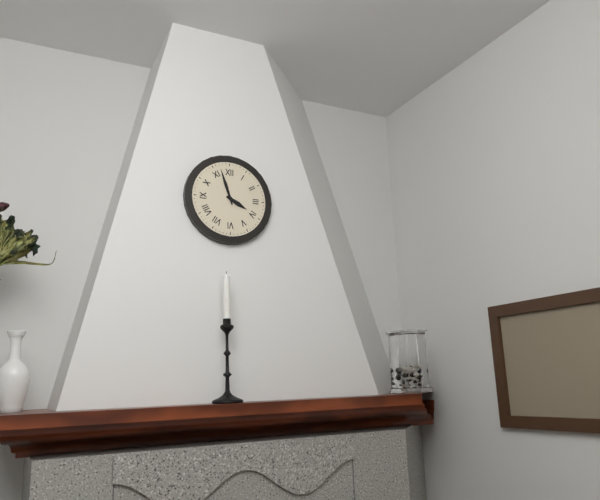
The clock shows 3:57
